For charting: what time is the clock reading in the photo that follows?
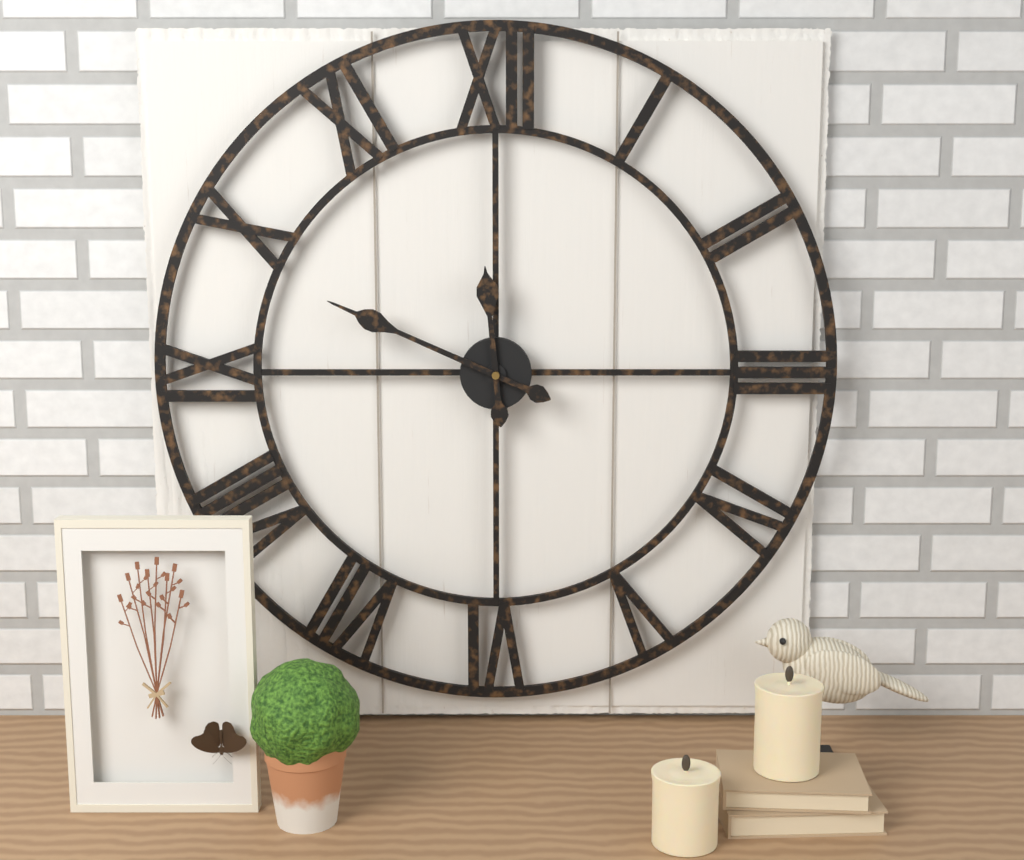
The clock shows 11:49
